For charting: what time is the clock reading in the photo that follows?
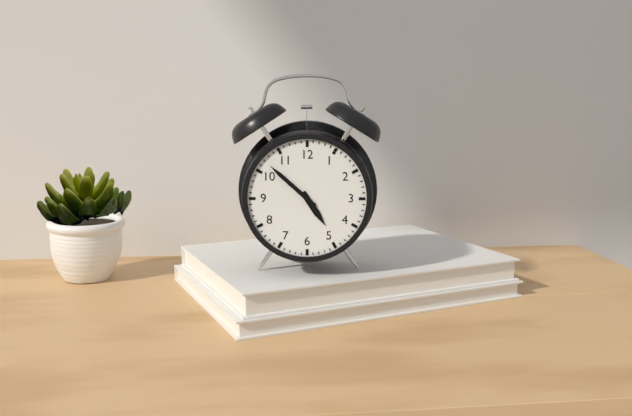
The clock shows 4:52
